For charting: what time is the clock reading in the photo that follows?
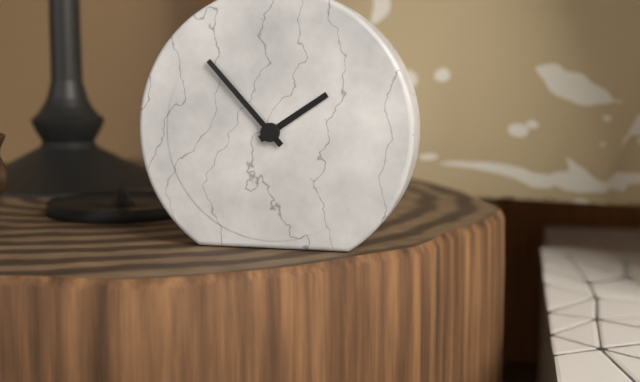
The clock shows 1:53
